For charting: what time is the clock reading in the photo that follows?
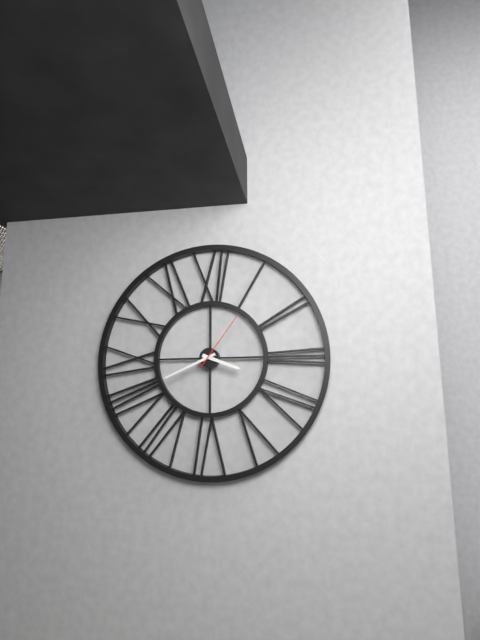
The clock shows 3:41:06
